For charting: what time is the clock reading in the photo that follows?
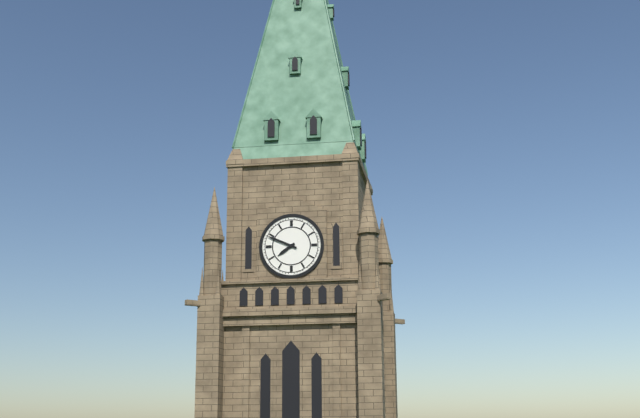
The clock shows 7:49
